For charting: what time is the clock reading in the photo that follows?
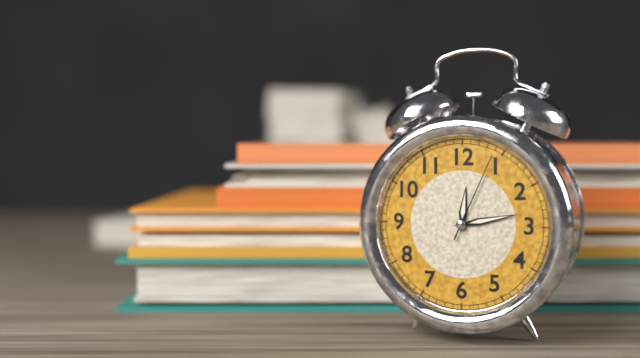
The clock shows 12:13:04
